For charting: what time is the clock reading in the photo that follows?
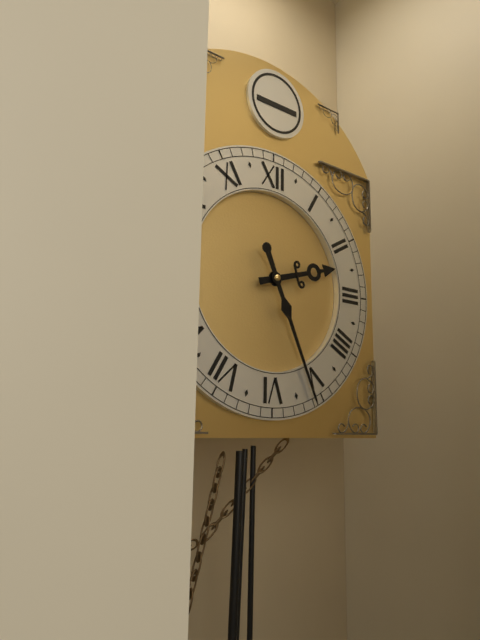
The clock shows 2:26
